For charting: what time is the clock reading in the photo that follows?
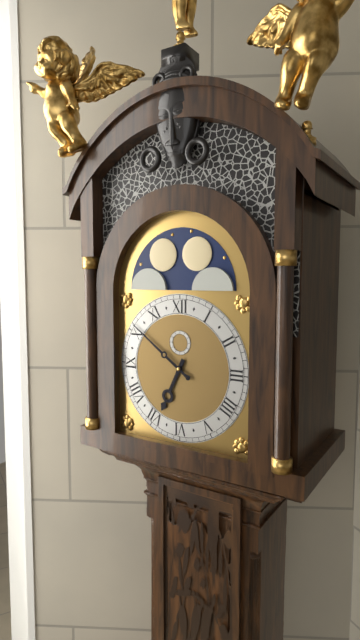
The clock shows 6:51
